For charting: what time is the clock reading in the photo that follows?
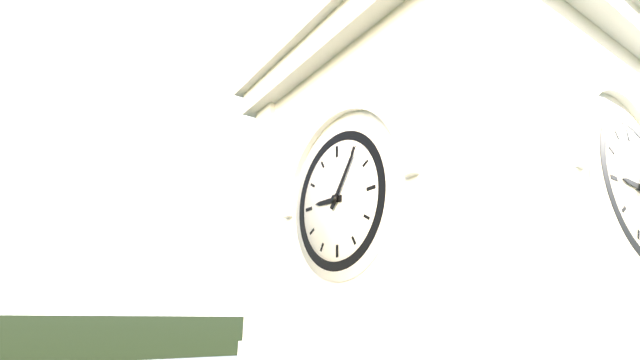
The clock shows 9:06
